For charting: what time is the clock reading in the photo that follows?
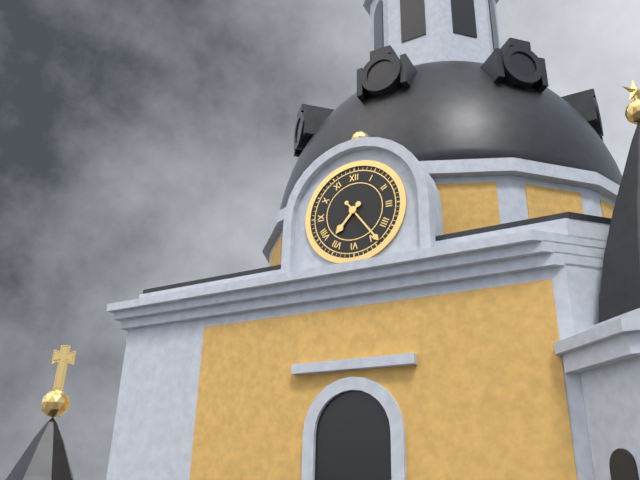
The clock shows 7:24
